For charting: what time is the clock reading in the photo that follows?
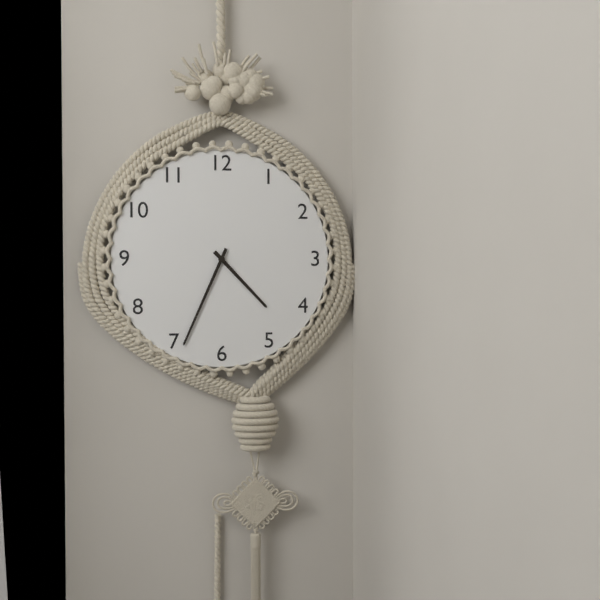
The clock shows 4:34
